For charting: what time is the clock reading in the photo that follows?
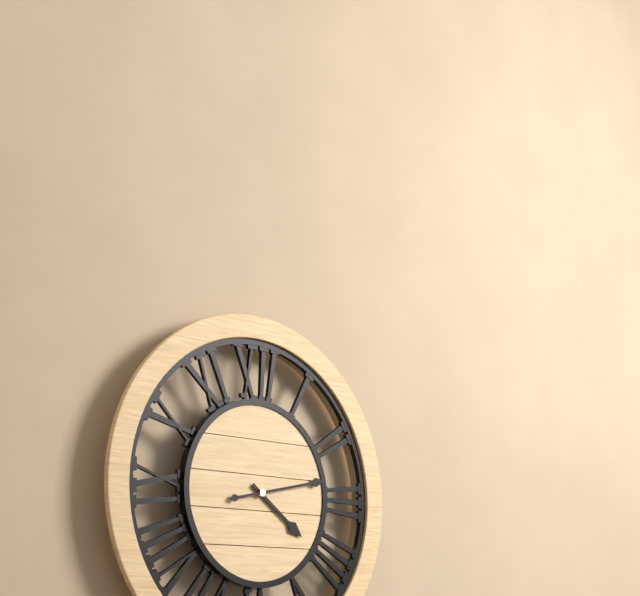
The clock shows 4:13
